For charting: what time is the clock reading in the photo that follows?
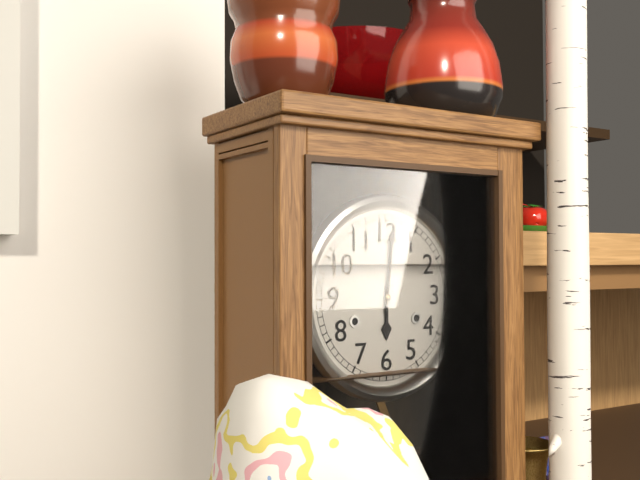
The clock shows 6:01
